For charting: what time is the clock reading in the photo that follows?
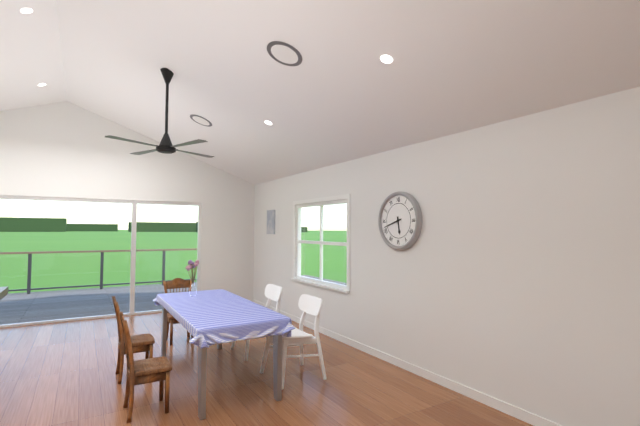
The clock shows 5:42
